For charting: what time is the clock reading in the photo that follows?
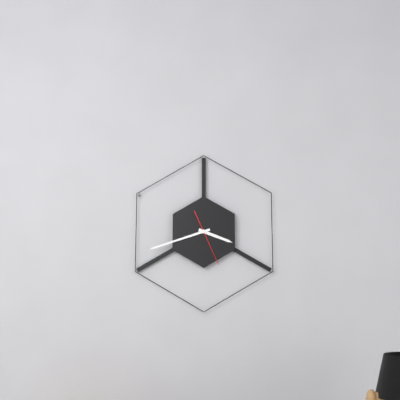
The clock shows 3:42
